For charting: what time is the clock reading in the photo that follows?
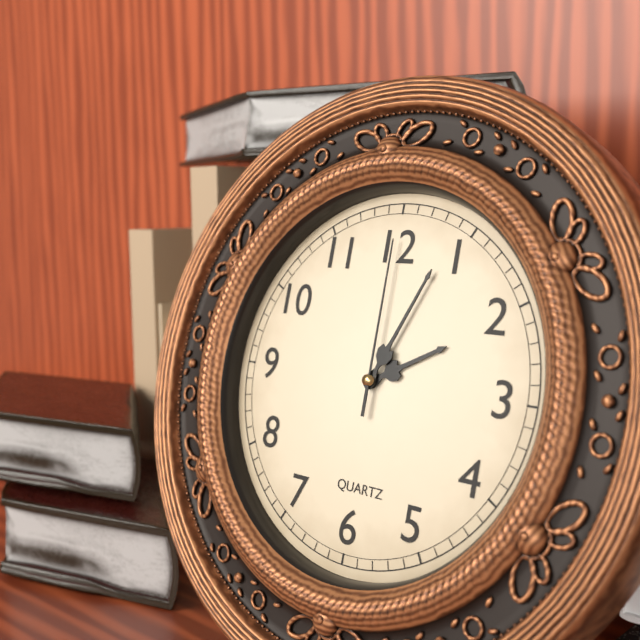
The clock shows 2:04:00
